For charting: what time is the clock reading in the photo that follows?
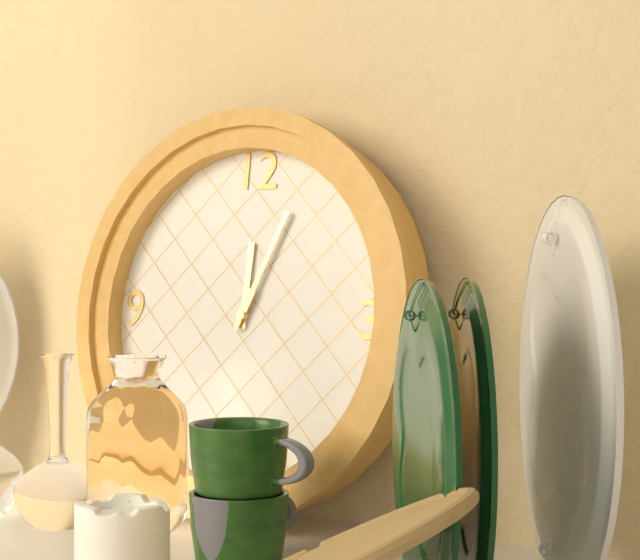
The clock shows 12:04
